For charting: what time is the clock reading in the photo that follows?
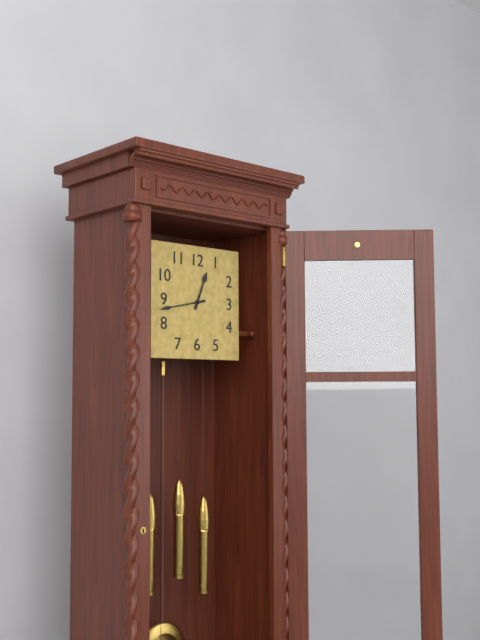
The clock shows 12:43
